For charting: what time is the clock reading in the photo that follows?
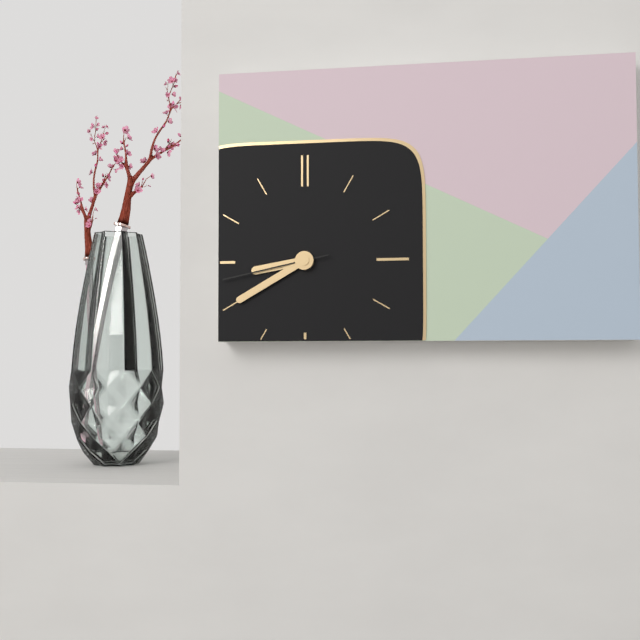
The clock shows 8:40:43
